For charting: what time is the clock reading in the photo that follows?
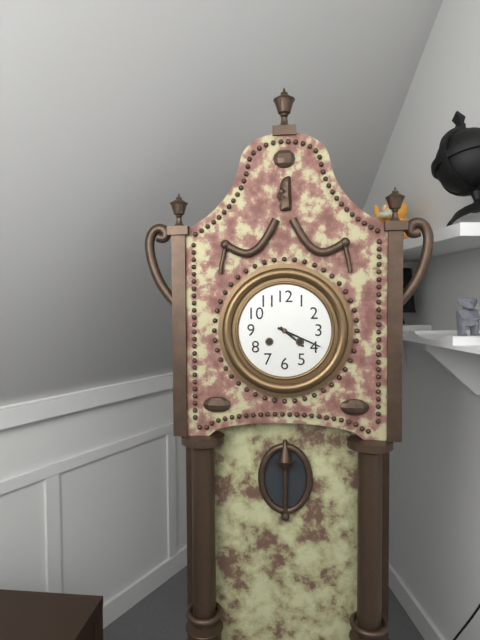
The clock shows 4:19
